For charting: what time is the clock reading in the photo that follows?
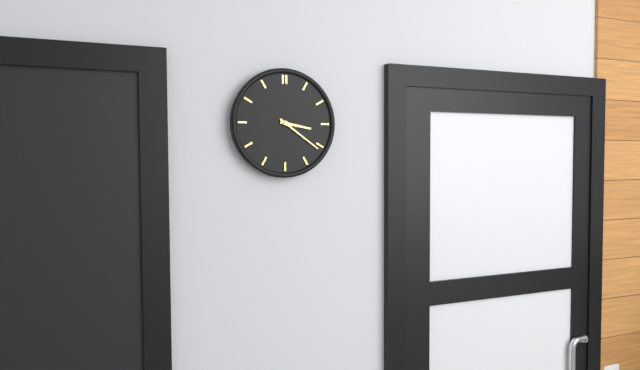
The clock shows 3:21
